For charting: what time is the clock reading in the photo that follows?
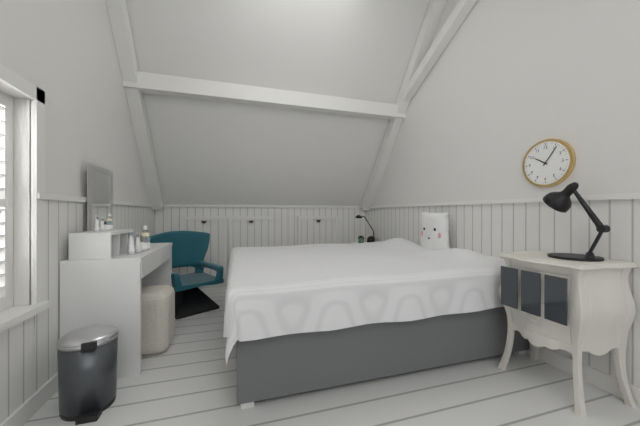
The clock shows 10:06
